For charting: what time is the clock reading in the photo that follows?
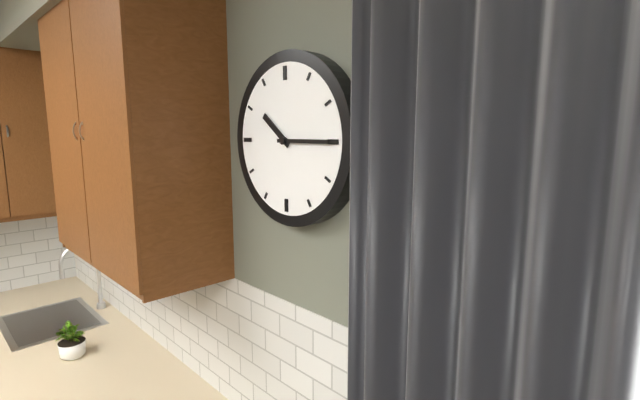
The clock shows 10:15
